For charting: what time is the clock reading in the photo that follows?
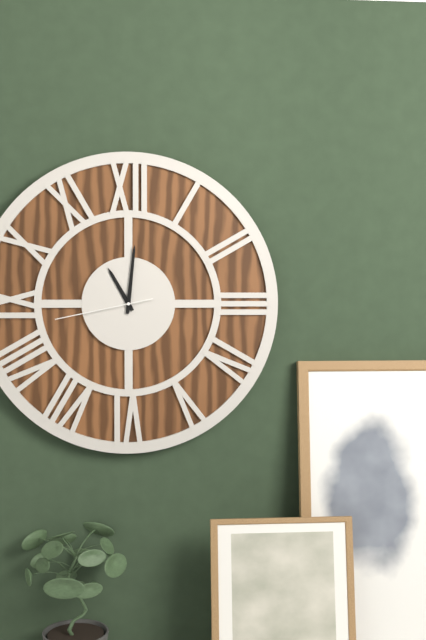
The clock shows 11:01:43
